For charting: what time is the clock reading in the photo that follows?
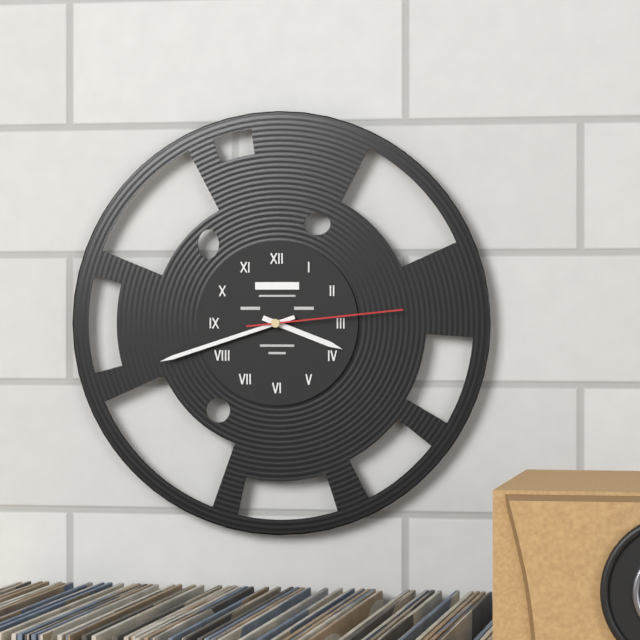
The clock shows 3:42:14
